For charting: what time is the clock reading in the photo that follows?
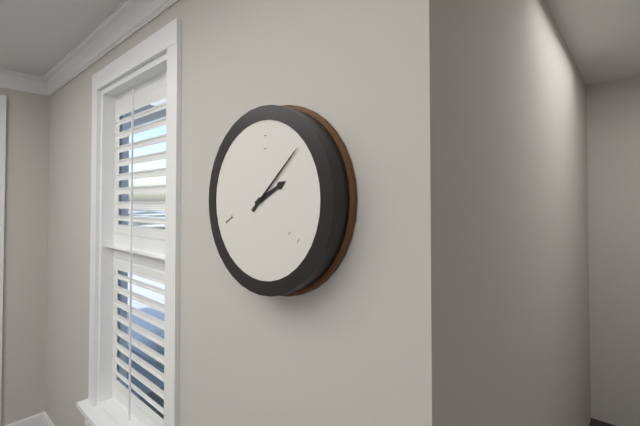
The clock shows 2:08
